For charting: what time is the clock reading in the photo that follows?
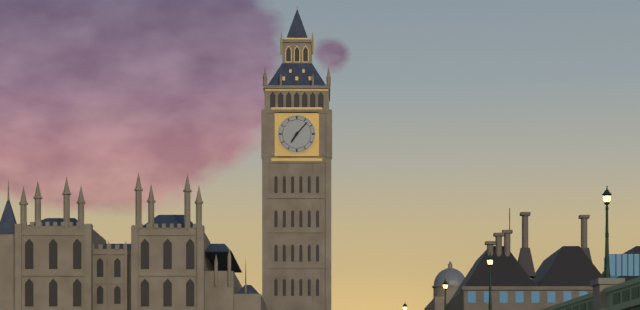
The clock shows 7:07
